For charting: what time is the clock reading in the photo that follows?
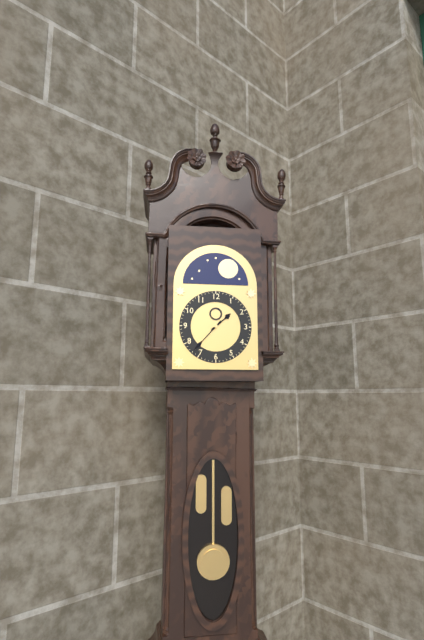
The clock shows 1:37
